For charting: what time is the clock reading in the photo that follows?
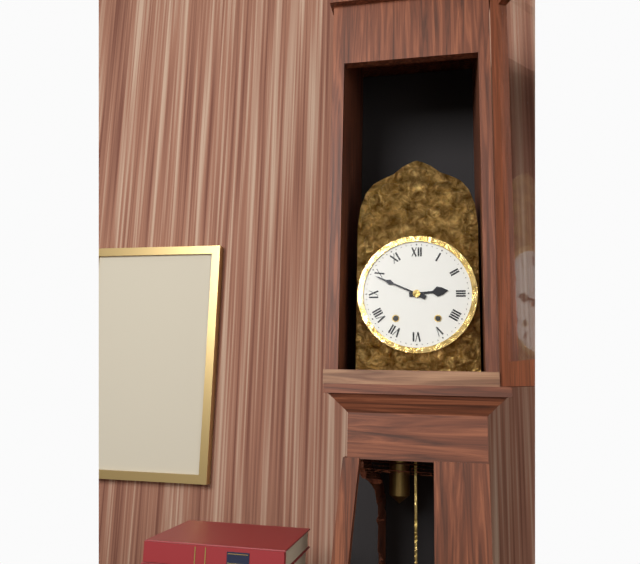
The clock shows 2:49
